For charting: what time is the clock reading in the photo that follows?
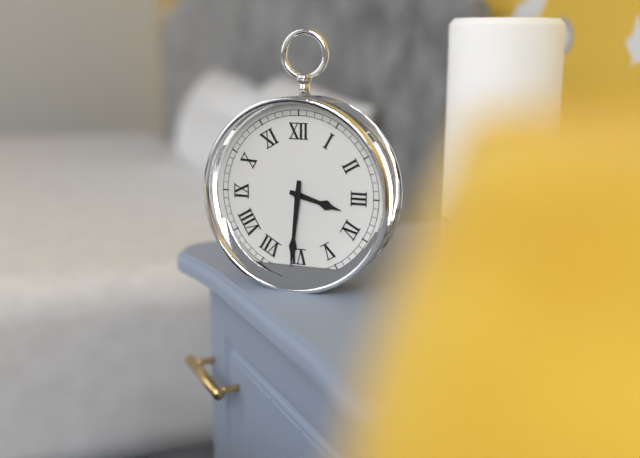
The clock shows 3:31
